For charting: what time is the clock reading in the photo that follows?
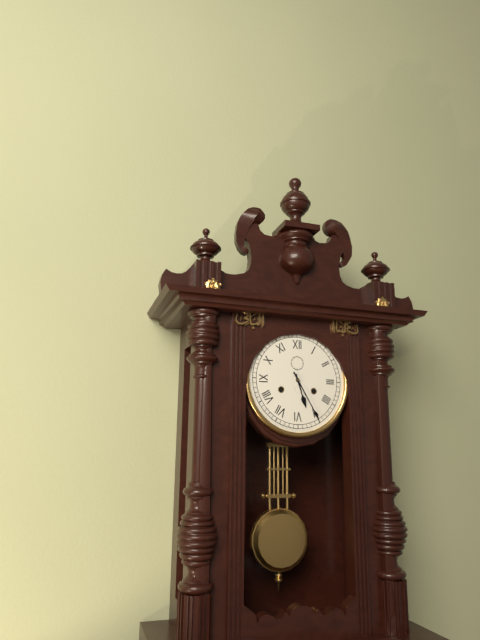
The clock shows 5:25
